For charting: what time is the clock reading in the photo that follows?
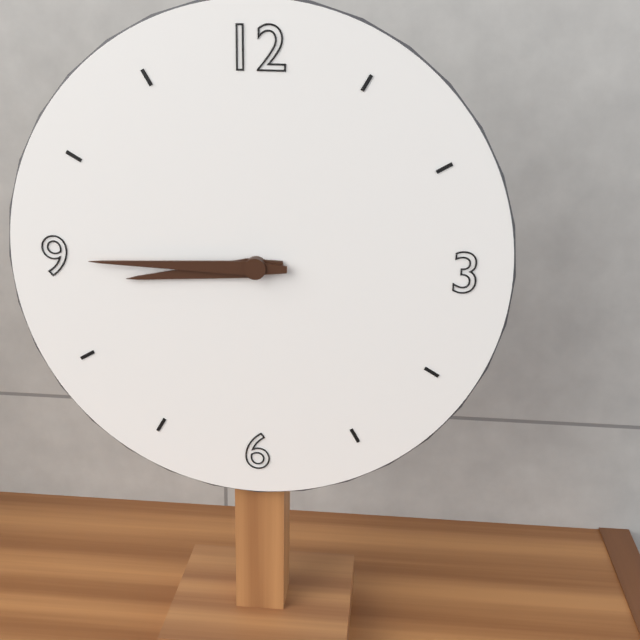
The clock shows 8:45
